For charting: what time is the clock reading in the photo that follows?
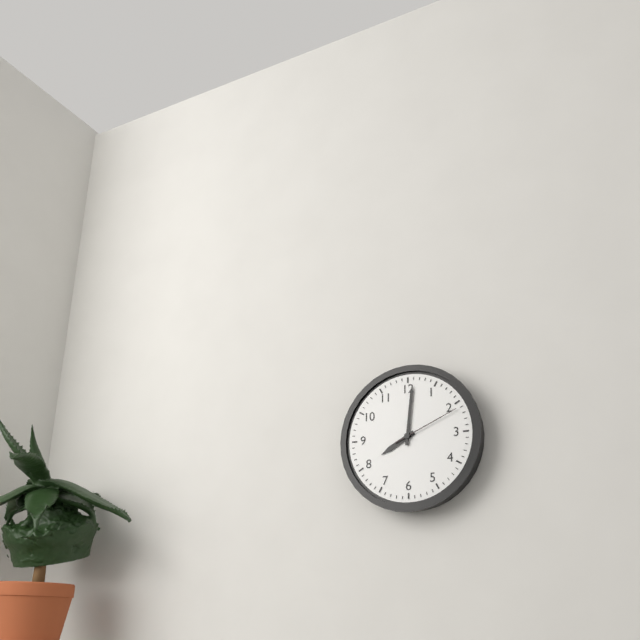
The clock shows 8:01:11
